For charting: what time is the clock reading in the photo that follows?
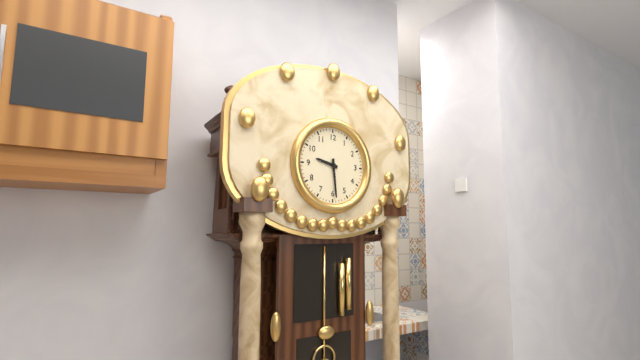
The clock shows 9:29
